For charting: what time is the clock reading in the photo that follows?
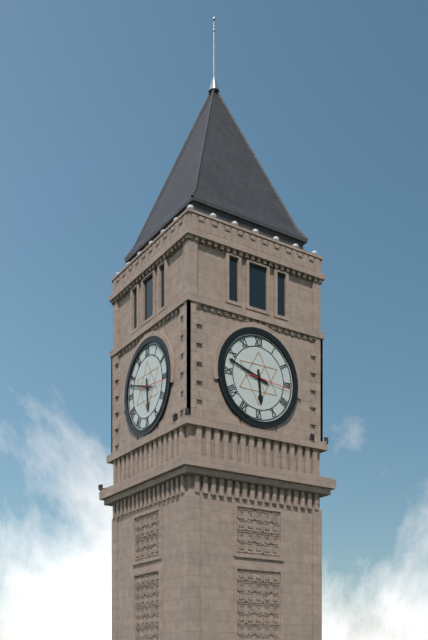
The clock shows 5:48
